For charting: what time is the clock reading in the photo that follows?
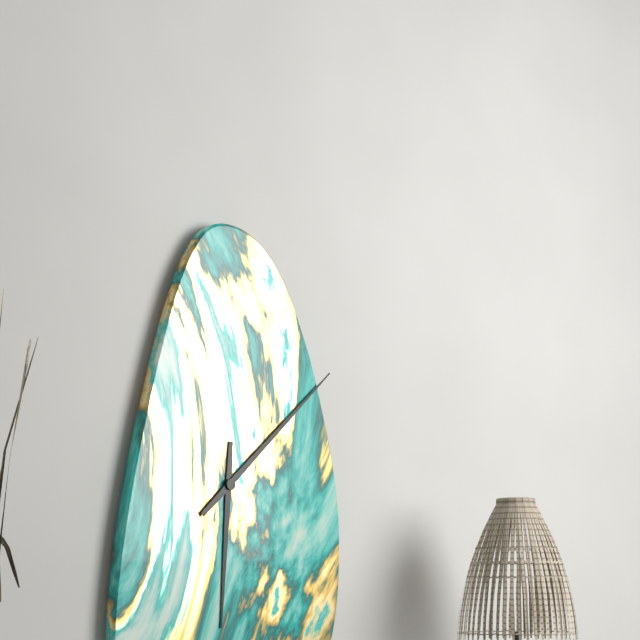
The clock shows 6:08
